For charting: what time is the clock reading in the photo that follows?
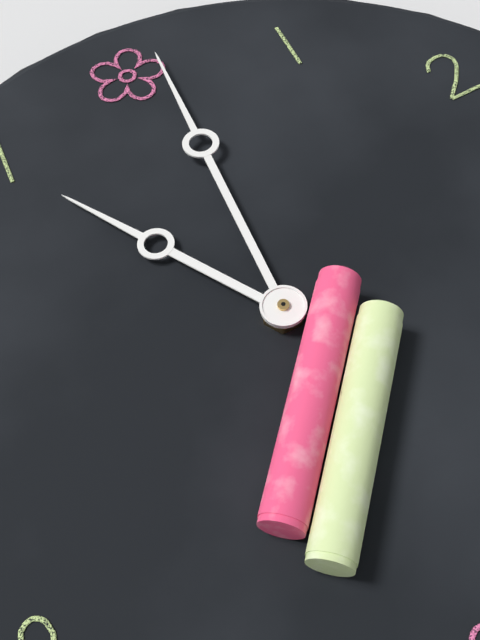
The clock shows 11:01
